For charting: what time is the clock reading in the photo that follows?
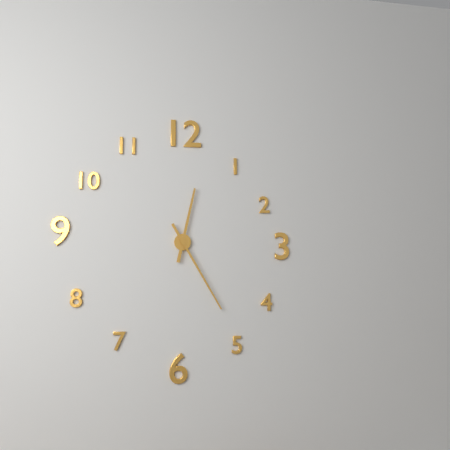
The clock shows 12:25
